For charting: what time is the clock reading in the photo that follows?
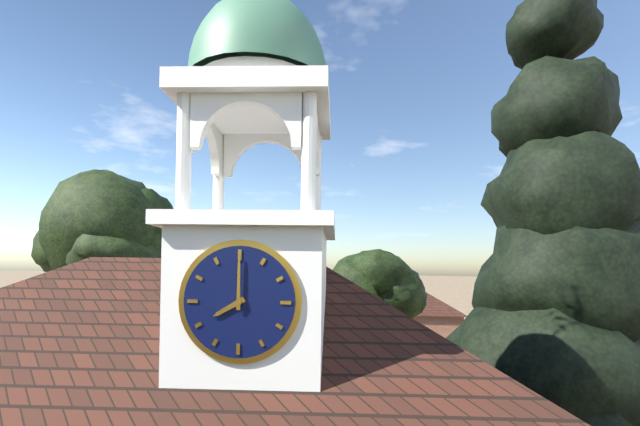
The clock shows 8:00
